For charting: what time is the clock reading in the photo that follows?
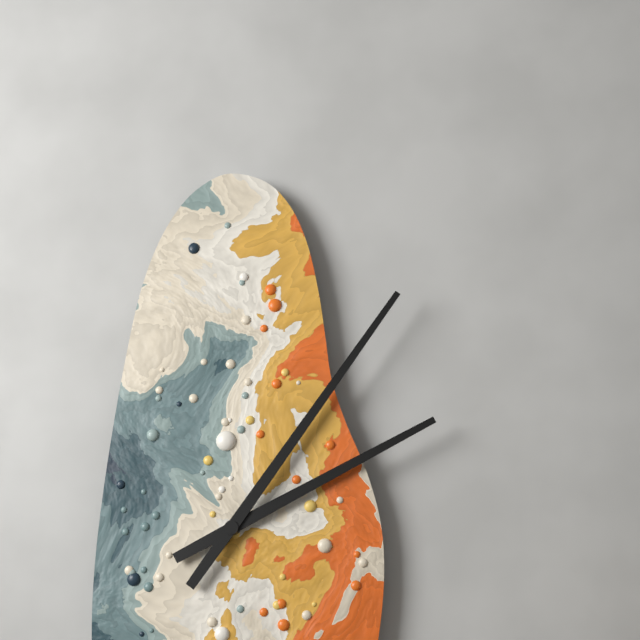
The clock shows 2:06
